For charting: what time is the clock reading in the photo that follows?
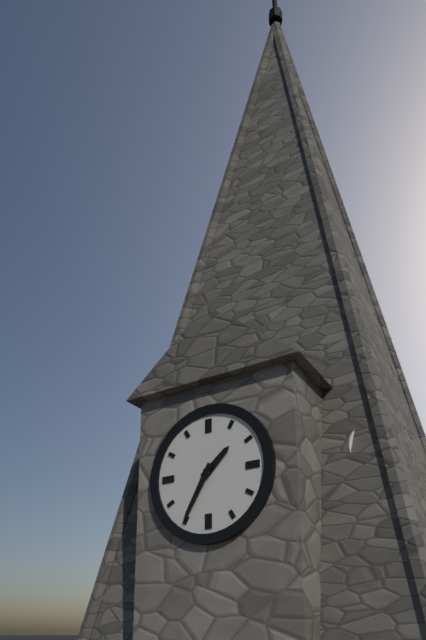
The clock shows 1:35
